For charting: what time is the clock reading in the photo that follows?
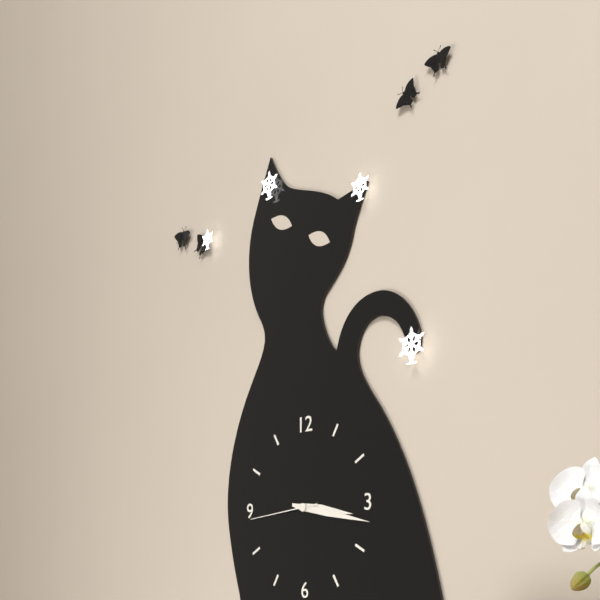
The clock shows 3:17:44
